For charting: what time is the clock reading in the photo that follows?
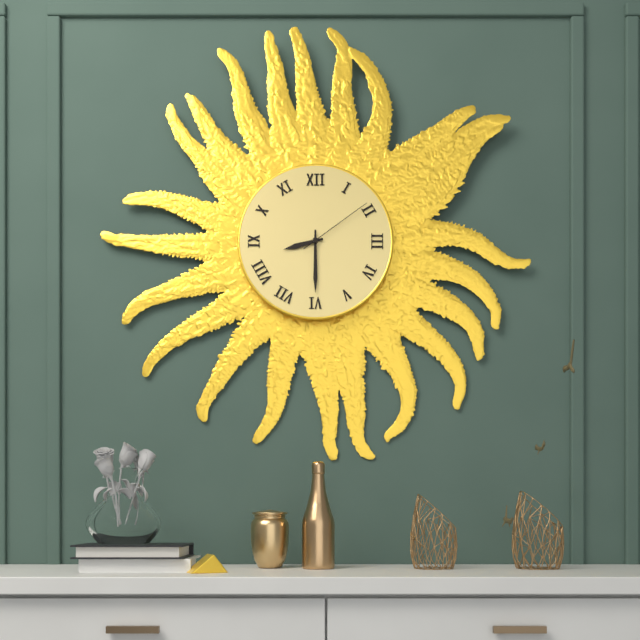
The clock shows 8:30:09
